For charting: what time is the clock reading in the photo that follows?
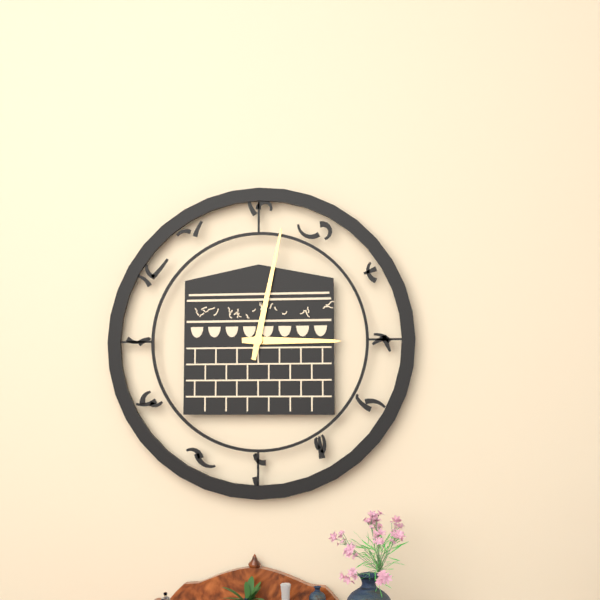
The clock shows 3:02
